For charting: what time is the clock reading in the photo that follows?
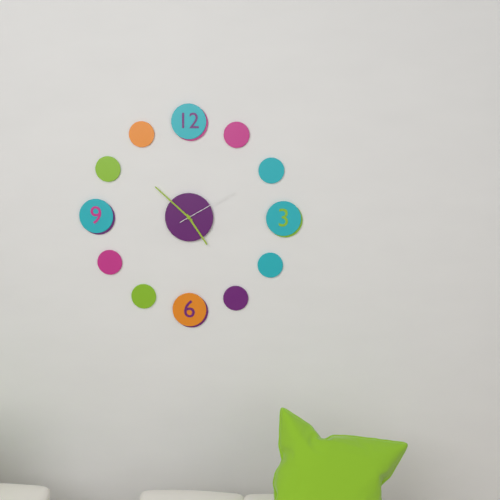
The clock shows 4:52:10
